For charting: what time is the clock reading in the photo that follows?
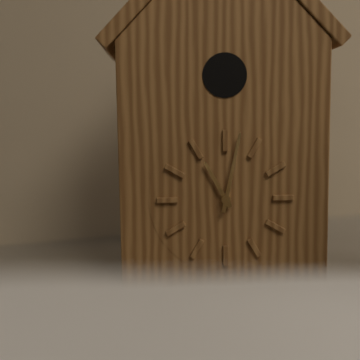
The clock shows 11:02
